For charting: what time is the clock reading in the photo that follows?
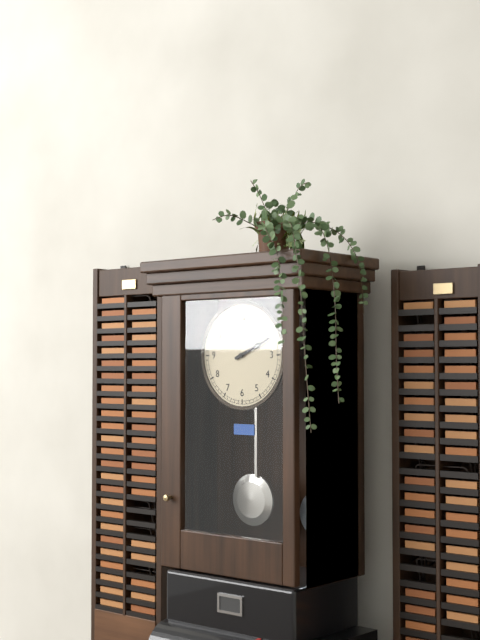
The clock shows 2:11
